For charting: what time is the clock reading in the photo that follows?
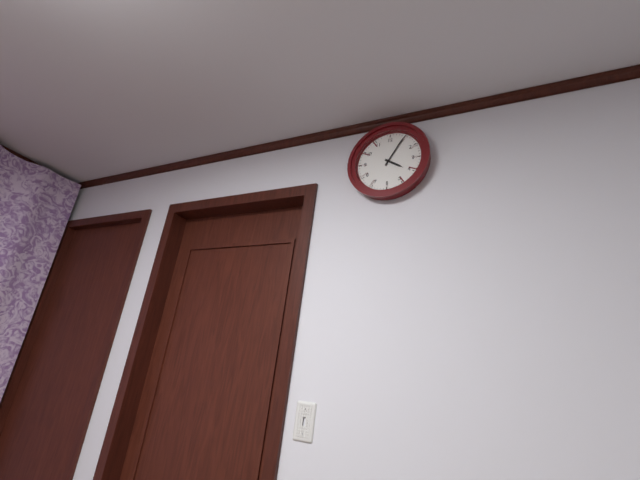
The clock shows 4:05
